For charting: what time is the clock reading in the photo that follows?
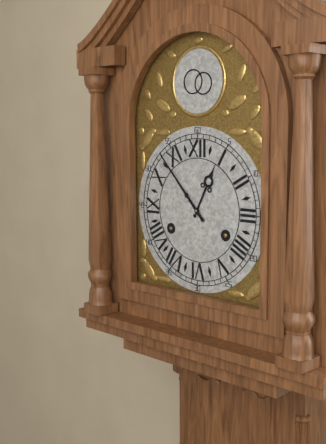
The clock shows 12:53
